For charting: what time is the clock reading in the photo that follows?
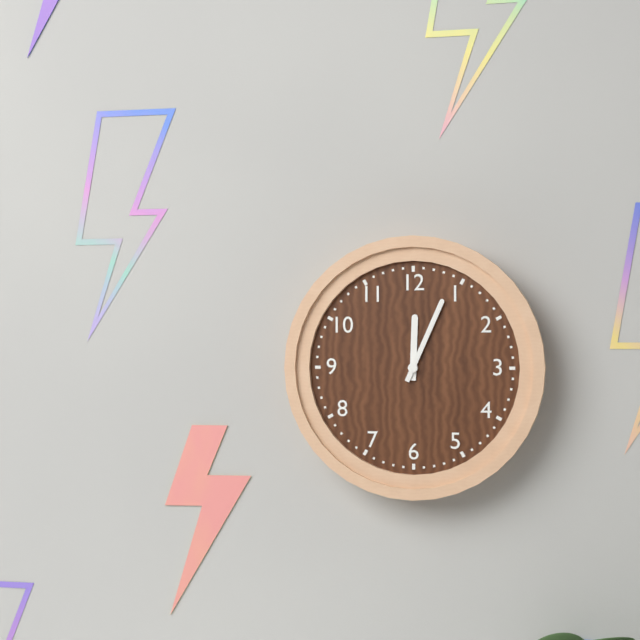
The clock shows 12:04
